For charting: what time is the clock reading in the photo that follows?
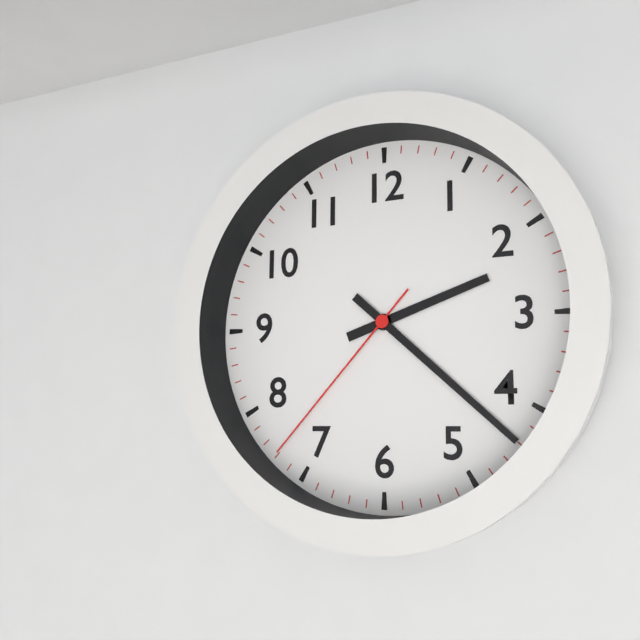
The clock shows 2:22:37
